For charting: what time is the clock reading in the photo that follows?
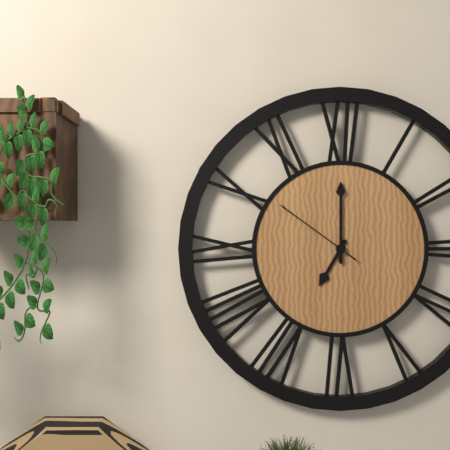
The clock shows 7:00:51
